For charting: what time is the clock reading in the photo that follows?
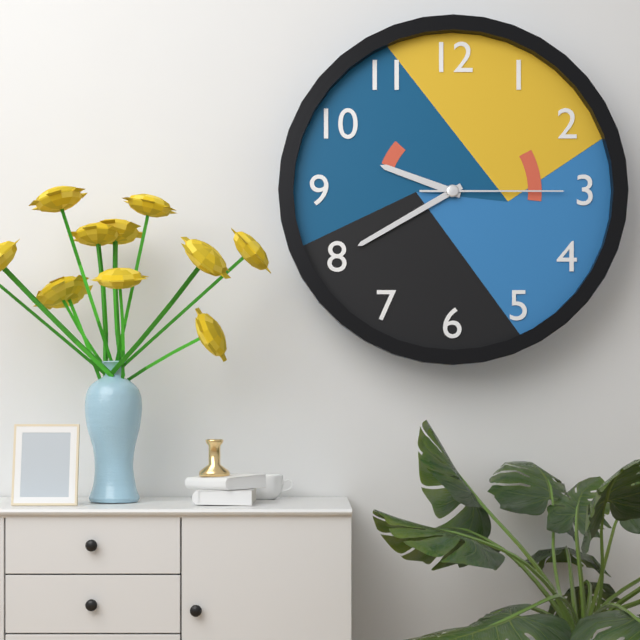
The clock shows 9:40:15
